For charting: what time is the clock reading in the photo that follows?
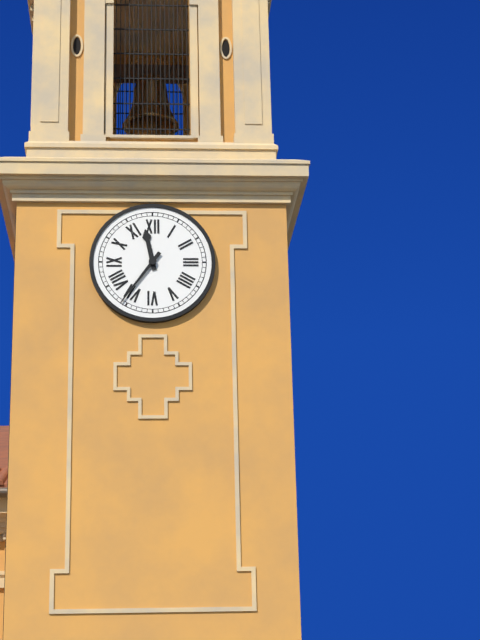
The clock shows 11:36
